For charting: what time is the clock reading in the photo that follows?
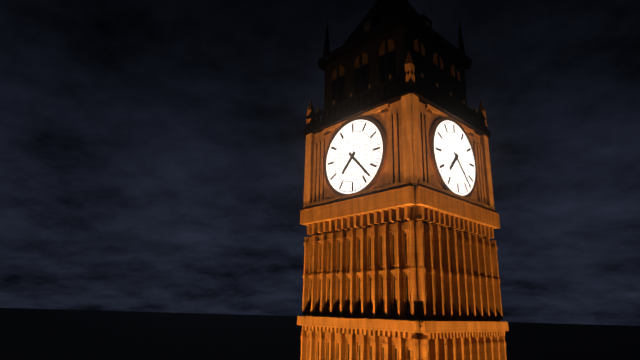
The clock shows 7:23
